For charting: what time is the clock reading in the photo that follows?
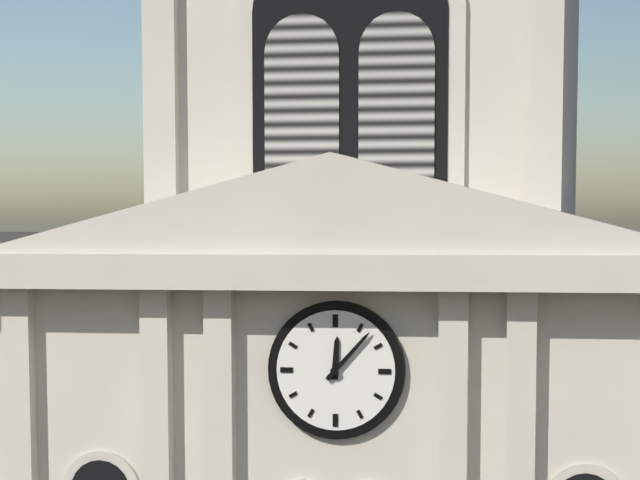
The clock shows 12:07
